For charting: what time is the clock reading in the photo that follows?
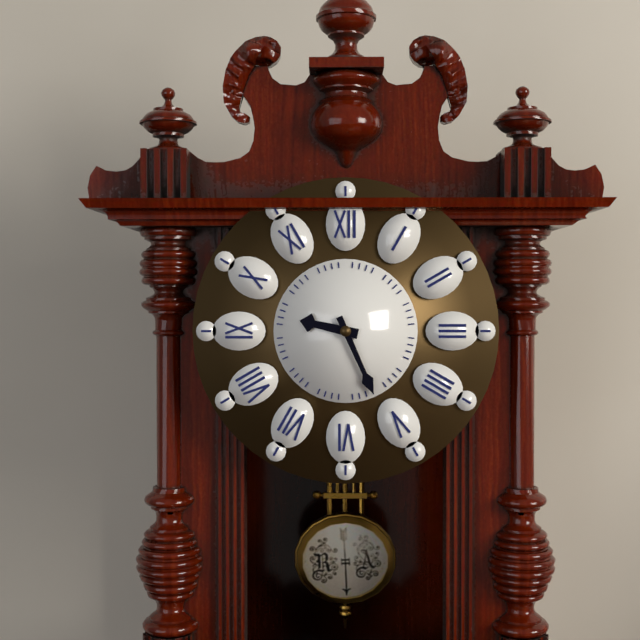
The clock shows 9:26
